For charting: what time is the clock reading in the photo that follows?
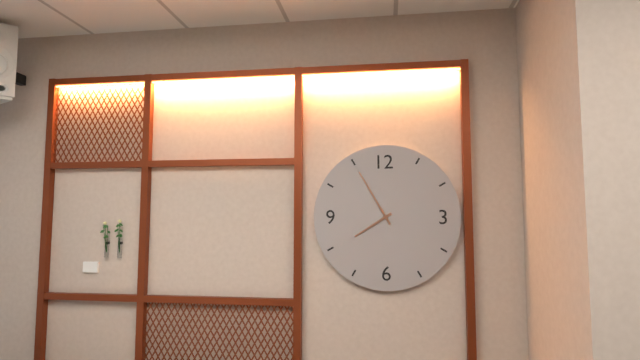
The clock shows 7:55
